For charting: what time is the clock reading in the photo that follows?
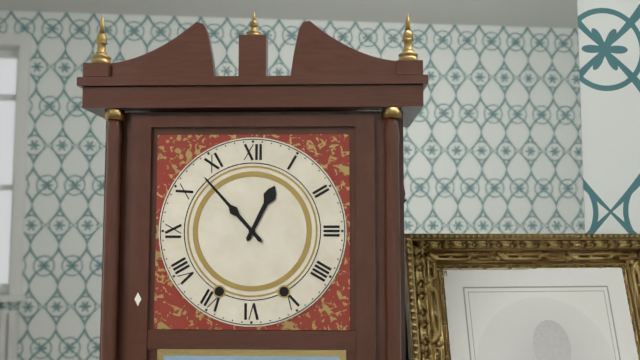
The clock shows 12:53
